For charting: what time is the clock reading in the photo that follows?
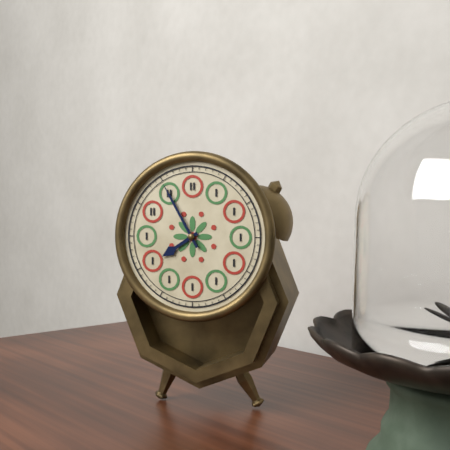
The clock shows 7:55
